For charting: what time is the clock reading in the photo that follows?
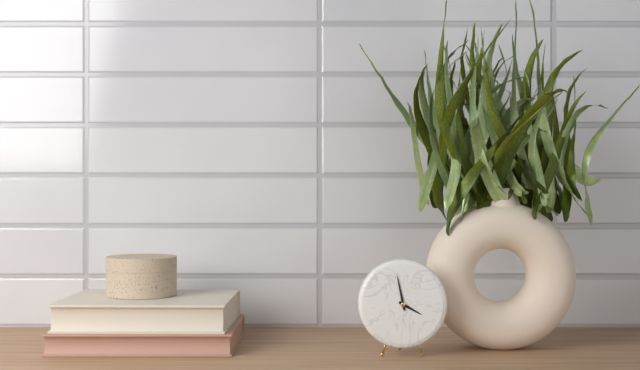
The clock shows 3:58
